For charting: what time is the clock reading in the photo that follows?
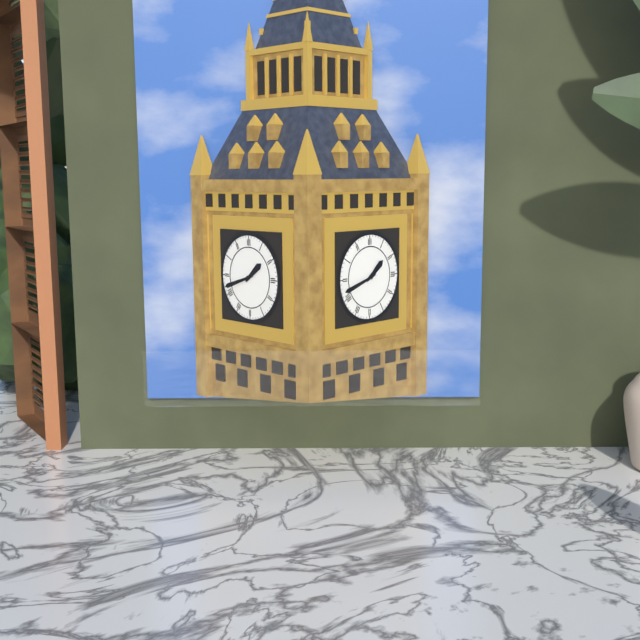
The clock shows 1:42
